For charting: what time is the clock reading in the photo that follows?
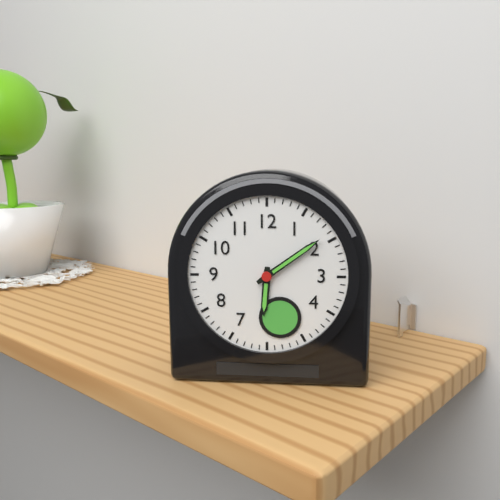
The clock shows 6:09
